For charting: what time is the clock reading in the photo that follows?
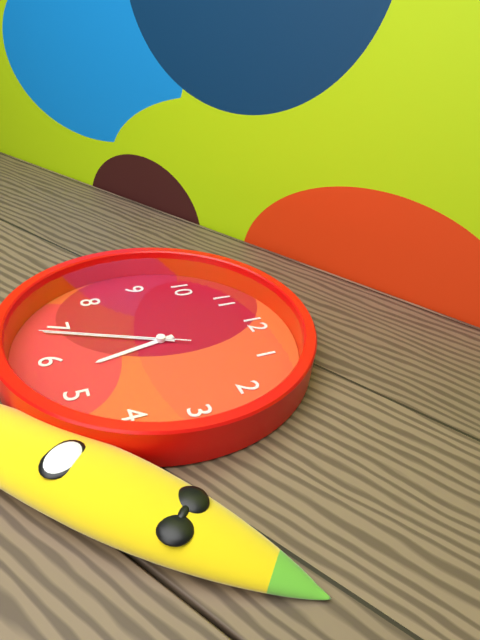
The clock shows 5:34:34
